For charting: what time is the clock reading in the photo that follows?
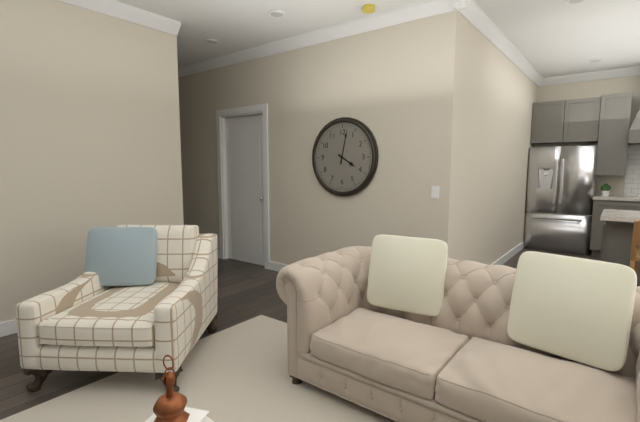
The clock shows 4:02
